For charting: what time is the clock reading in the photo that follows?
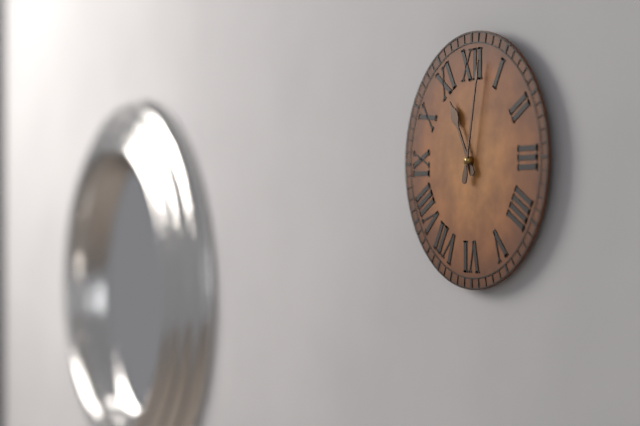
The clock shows 11:02
